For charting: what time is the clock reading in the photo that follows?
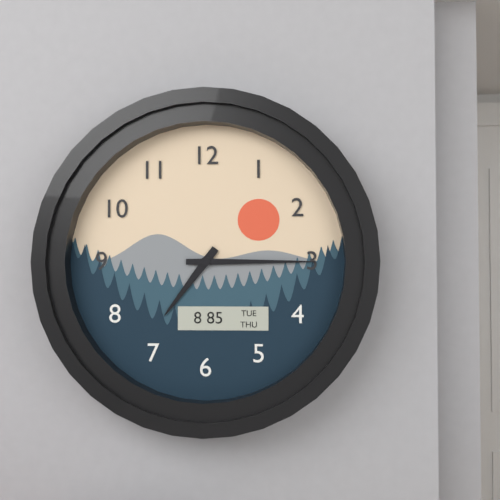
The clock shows 7:15
